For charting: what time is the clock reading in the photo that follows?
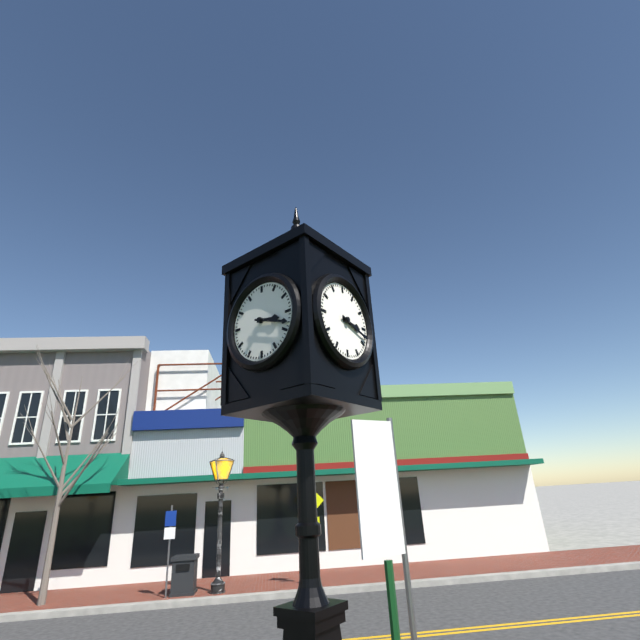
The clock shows 3:18
